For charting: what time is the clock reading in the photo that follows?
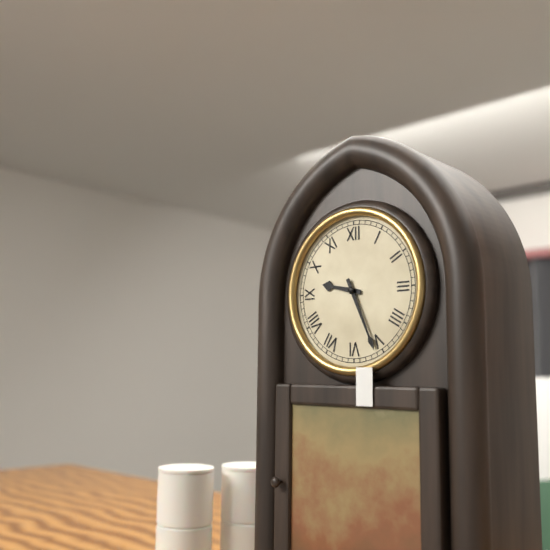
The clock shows 9:26
